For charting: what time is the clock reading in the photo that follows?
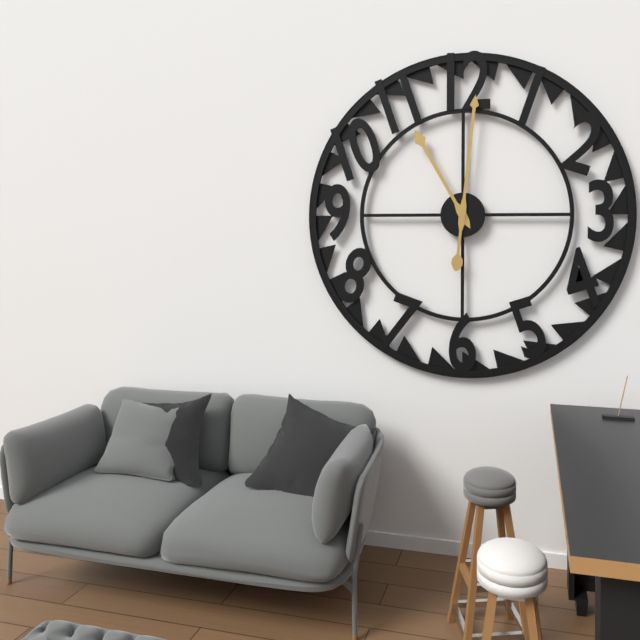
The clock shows 11:01
